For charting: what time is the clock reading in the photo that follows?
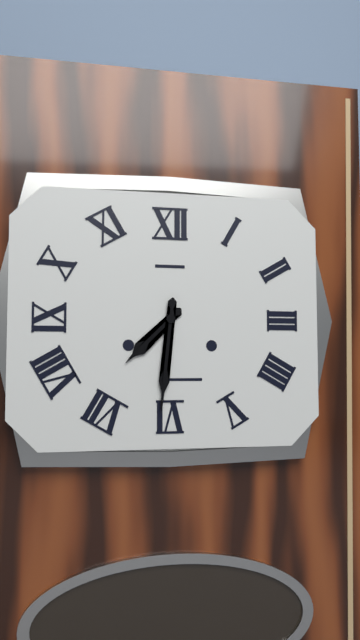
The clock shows 7:31
